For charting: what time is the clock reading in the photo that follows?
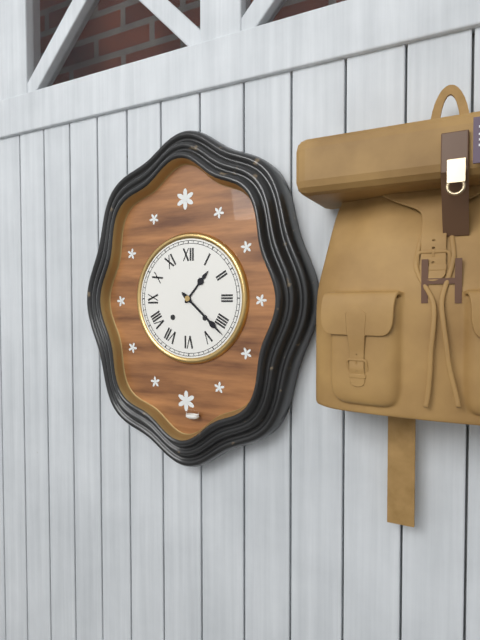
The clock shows 1:22
